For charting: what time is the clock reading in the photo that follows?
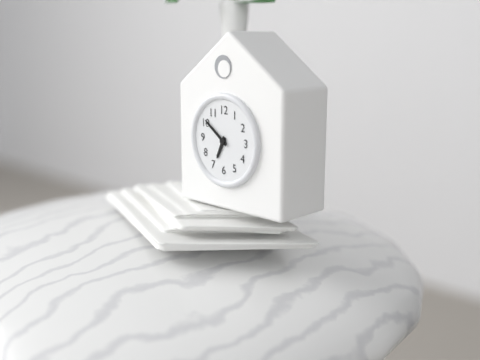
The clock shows 6:51
